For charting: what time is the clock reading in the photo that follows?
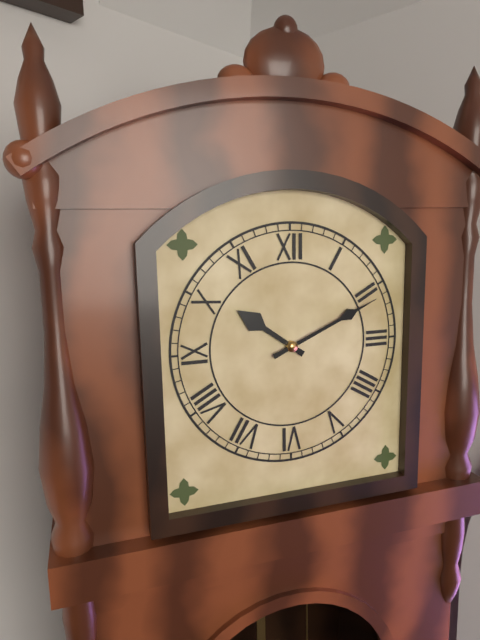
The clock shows 10:11
